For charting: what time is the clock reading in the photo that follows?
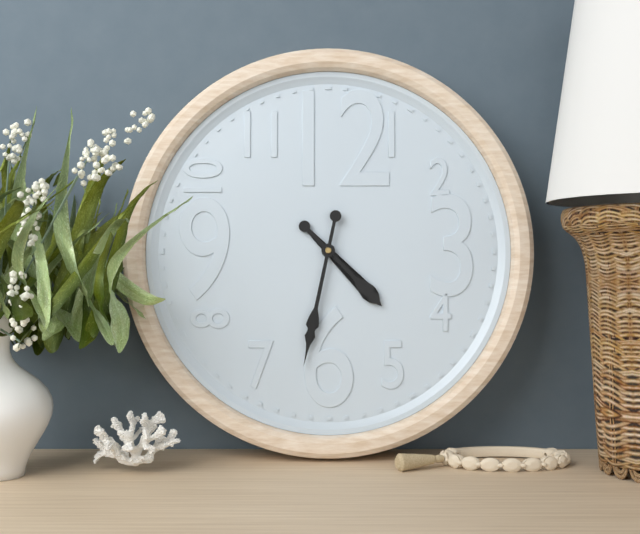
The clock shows 4:32
